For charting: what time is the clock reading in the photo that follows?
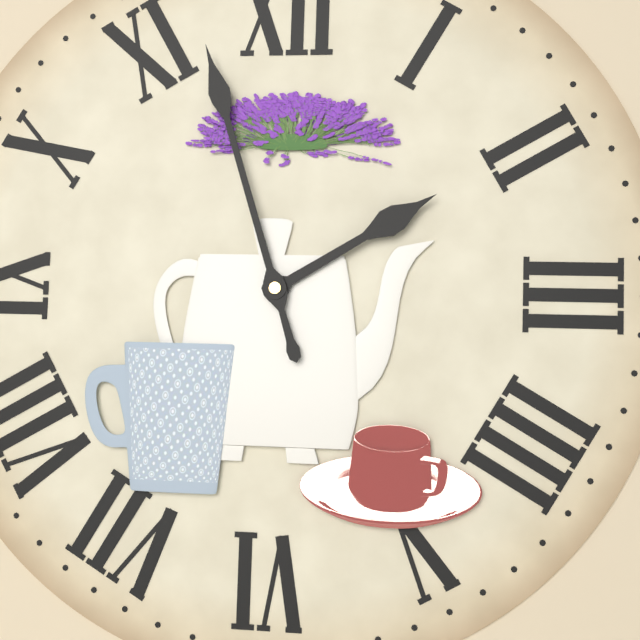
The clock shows 1:57
